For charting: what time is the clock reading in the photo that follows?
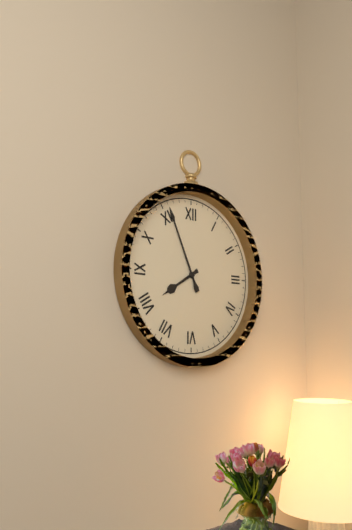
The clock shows 7:56
